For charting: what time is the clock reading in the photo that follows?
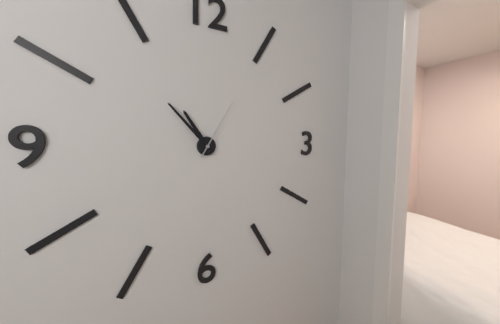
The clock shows 10:53:05
